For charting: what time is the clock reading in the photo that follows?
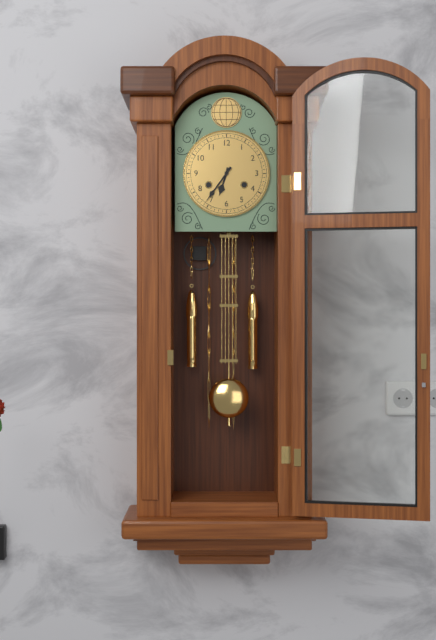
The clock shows 6:36
